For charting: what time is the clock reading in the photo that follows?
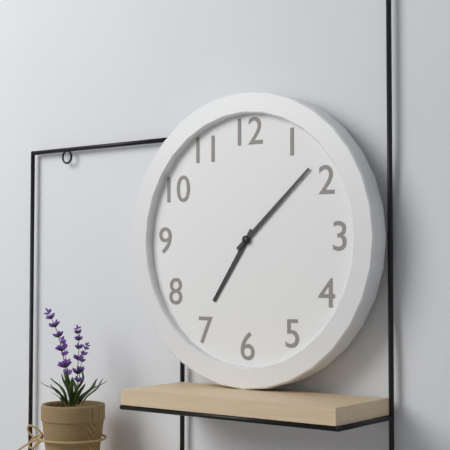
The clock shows 7:08
